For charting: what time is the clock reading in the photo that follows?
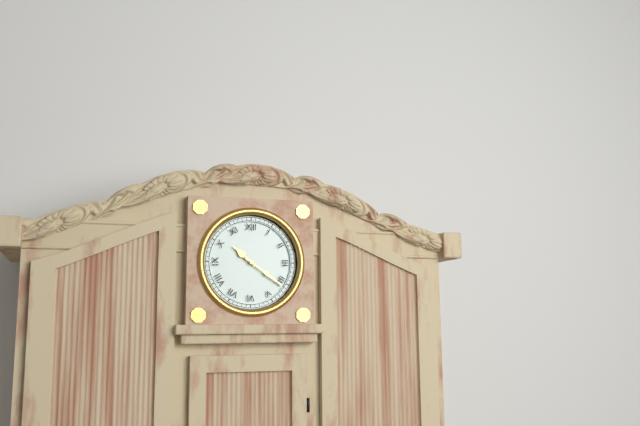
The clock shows 10:21
